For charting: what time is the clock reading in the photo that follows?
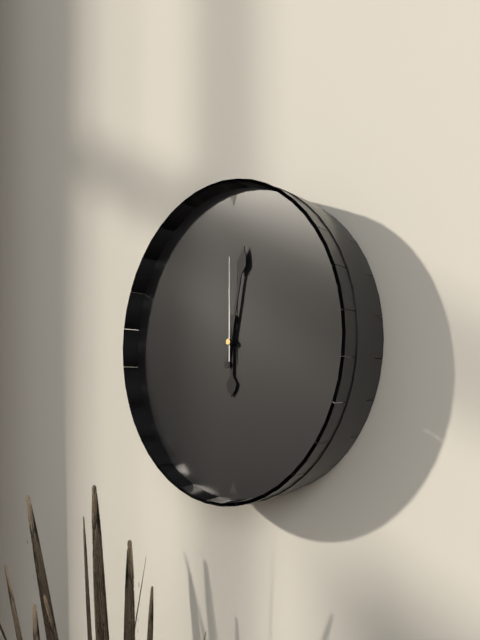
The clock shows 6:02:00
